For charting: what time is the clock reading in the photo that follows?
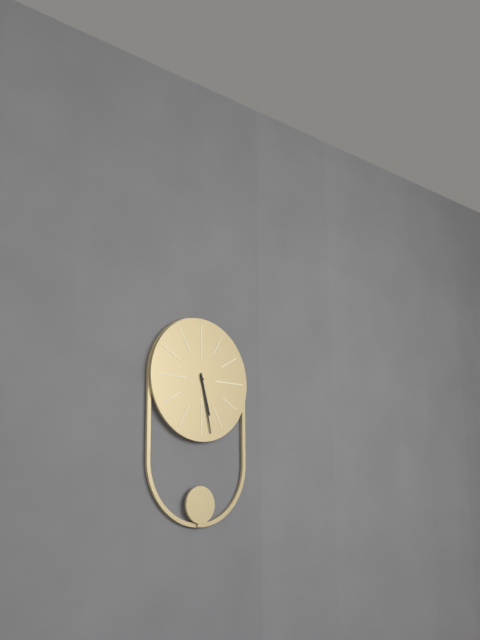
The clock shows 5:28
